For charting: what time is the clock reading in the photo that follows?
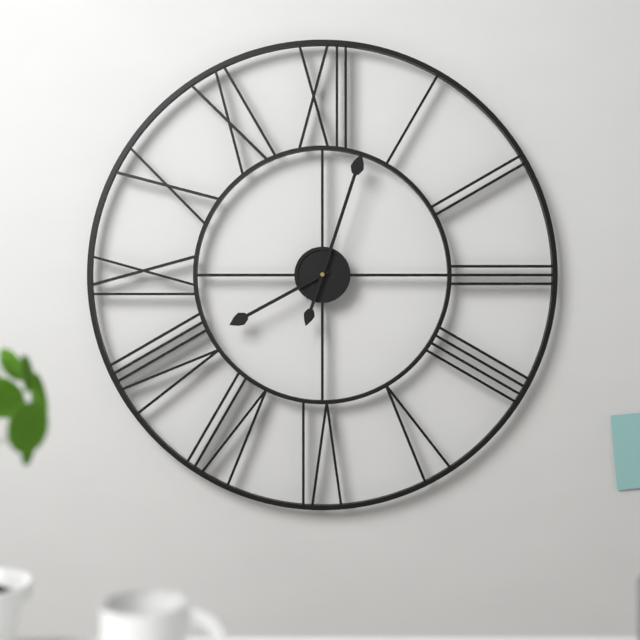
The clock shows 8:03
